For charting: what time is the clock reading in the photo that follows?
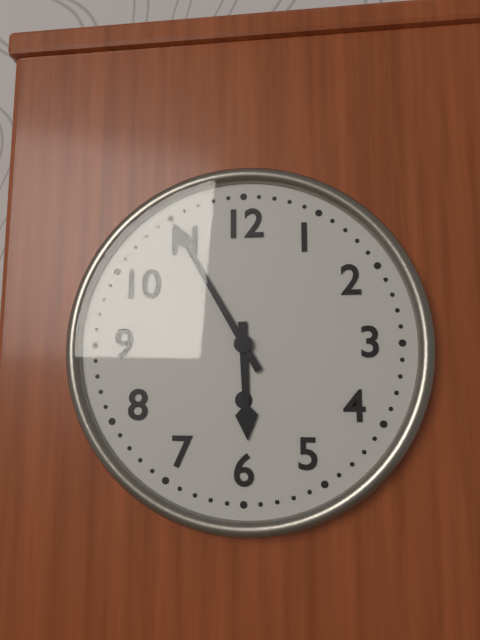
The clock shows 5:55
